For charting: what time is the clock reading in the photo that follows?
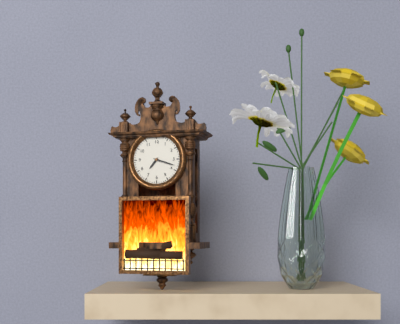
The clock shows 7:18
